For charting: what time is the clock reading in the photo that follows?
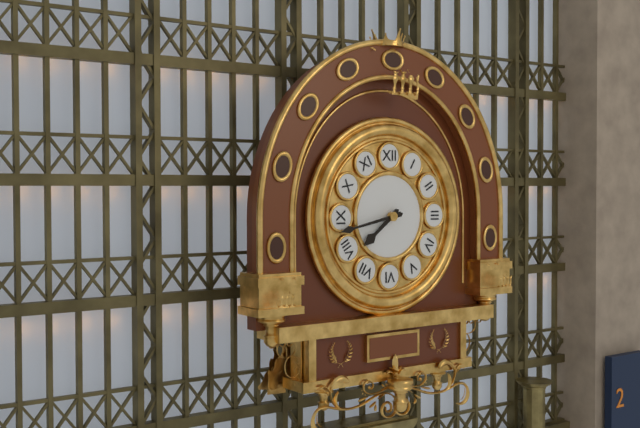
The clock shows 7:43
